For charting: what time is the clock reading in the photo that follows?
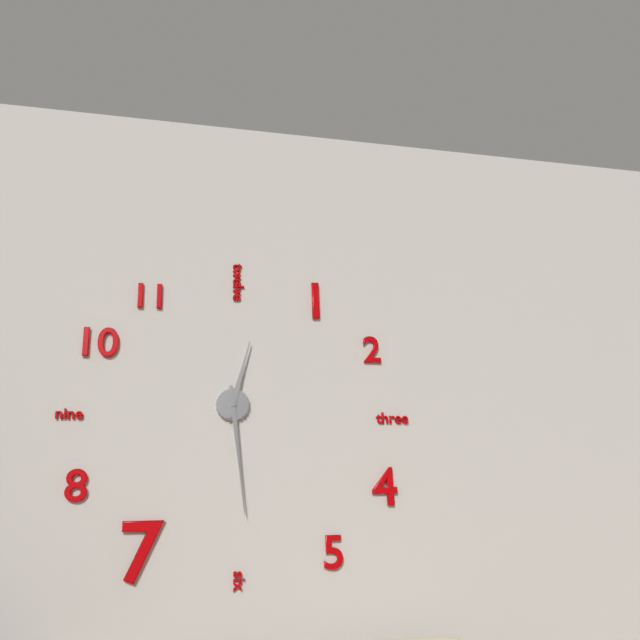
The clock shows 12:29
